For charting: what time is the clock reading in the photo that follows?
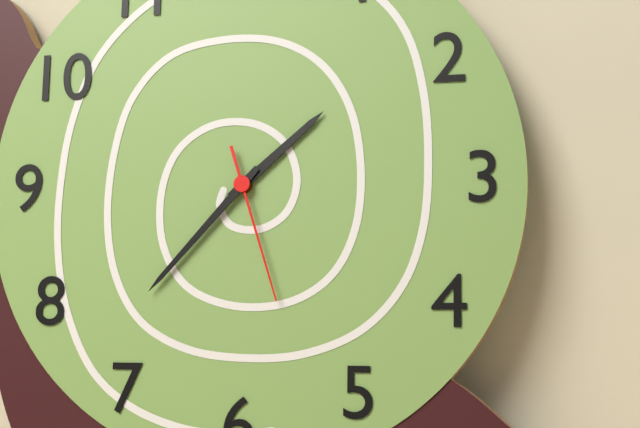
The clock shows 1:37:27
